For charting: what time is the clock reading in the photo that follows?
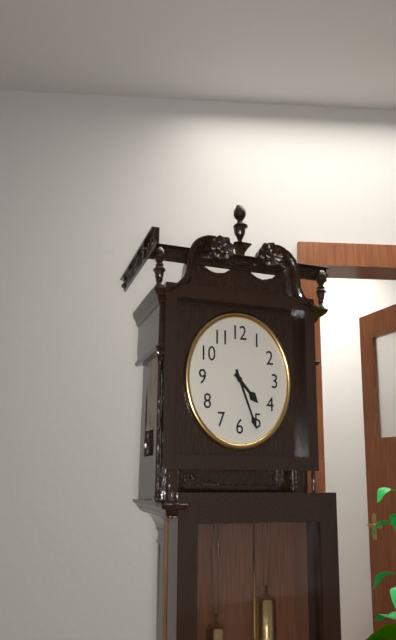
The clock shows 4:26
